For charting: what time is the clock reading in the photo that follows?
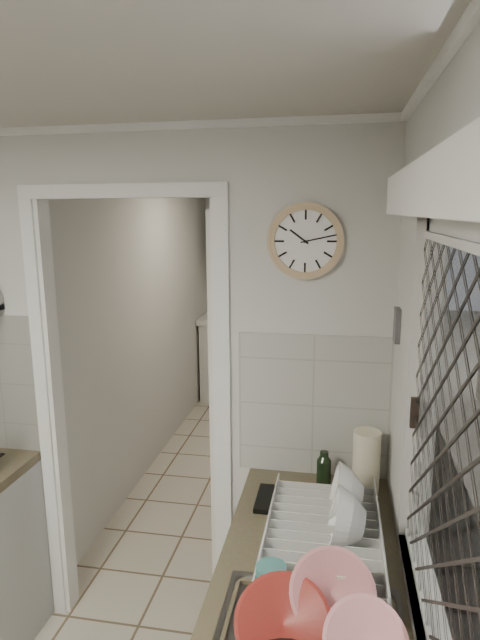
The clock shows 10:13
